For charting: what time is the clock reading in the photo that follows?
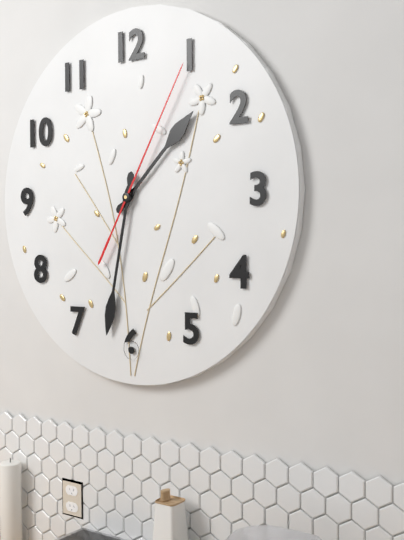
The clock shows 1:32:05
